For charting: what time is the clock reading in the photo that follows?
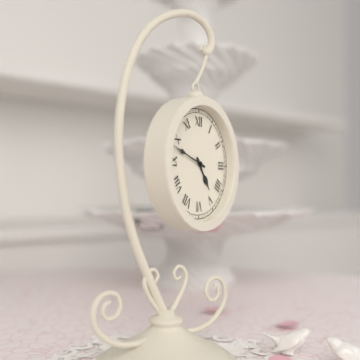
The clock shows 4:48
